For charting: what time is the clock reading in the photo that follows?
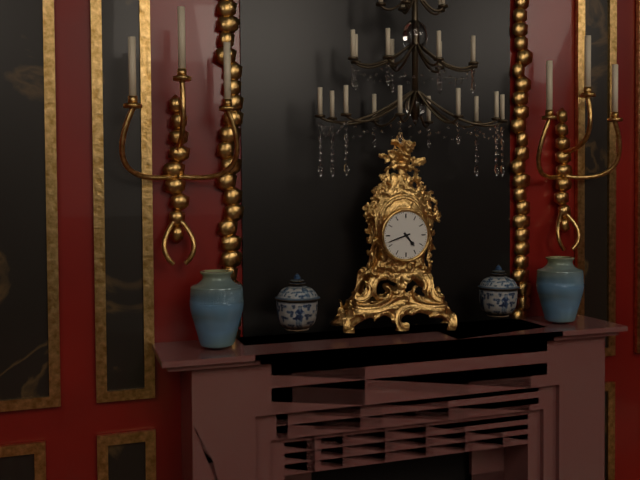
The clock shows 4:42
